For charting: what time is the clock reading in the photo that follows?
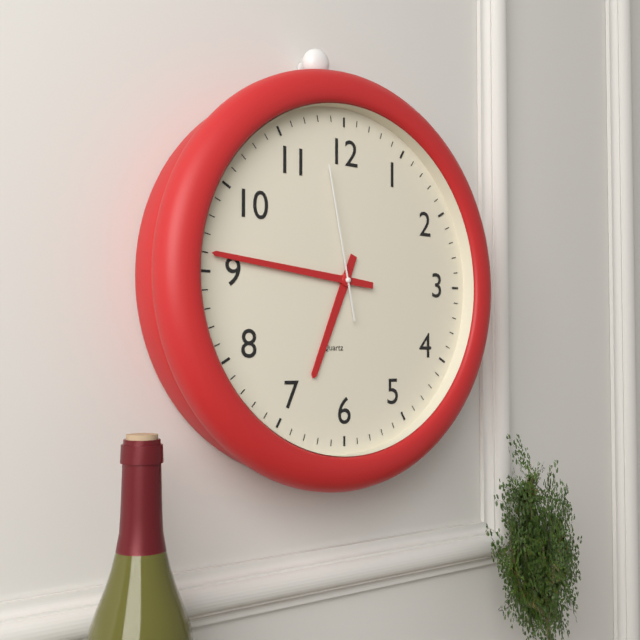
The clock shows 6:46:58
